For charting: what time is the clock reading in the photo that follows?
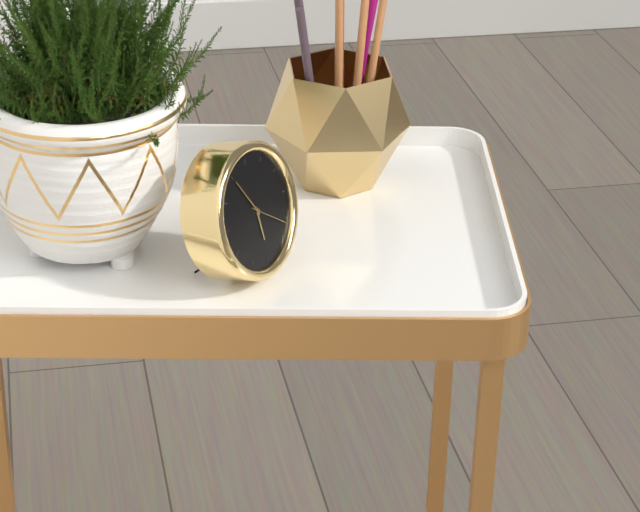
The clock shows 5:55
